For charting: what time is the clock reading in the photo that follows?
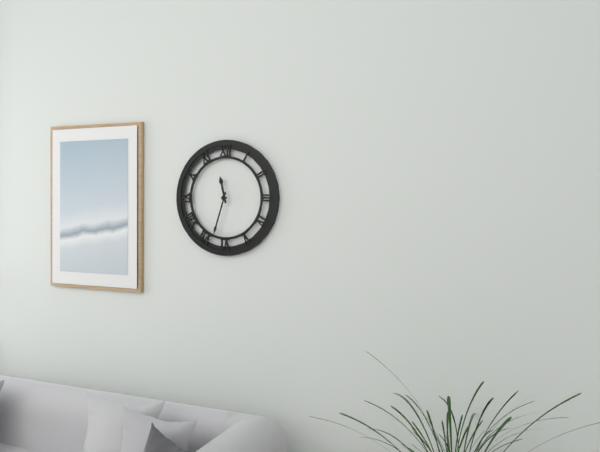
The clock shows 11:33
